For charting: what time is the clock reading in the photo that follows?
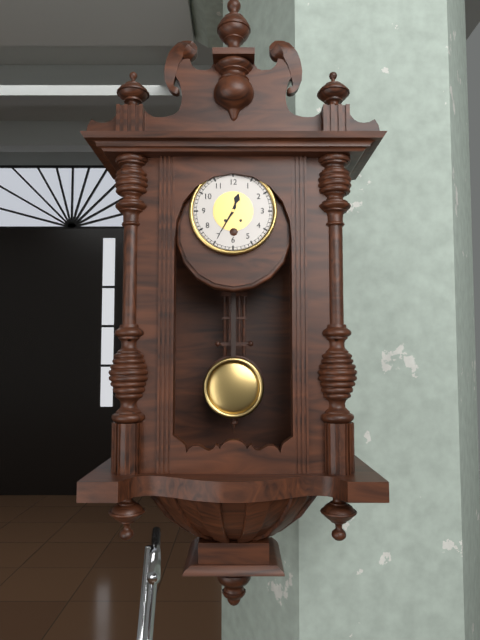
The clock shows 12:35
